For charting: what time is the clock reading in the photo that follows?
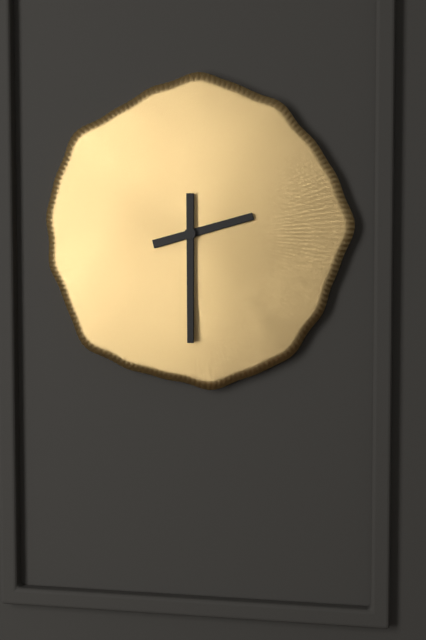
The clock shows 2:30
